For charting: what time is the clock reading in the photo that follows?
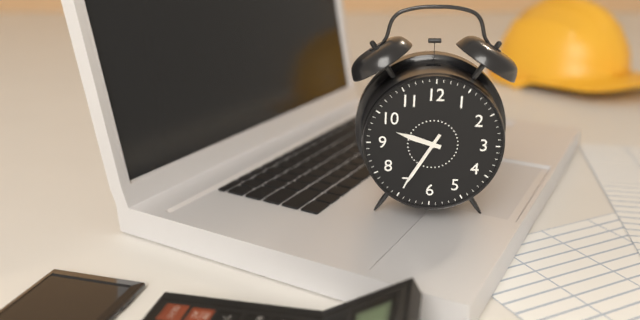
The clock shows 9:35
